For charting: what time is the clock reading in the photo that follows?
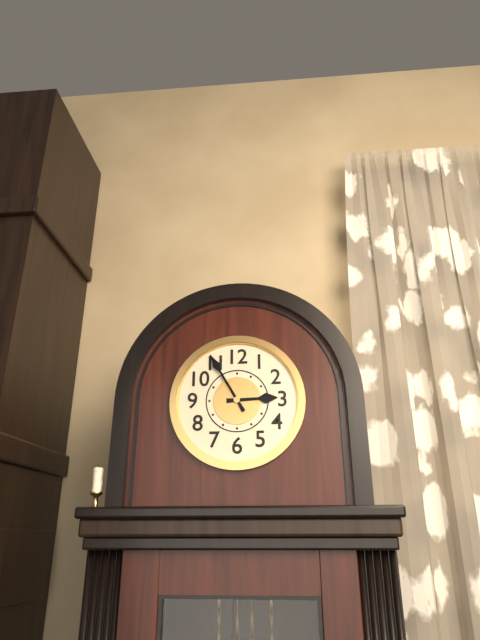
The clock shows 2:55
